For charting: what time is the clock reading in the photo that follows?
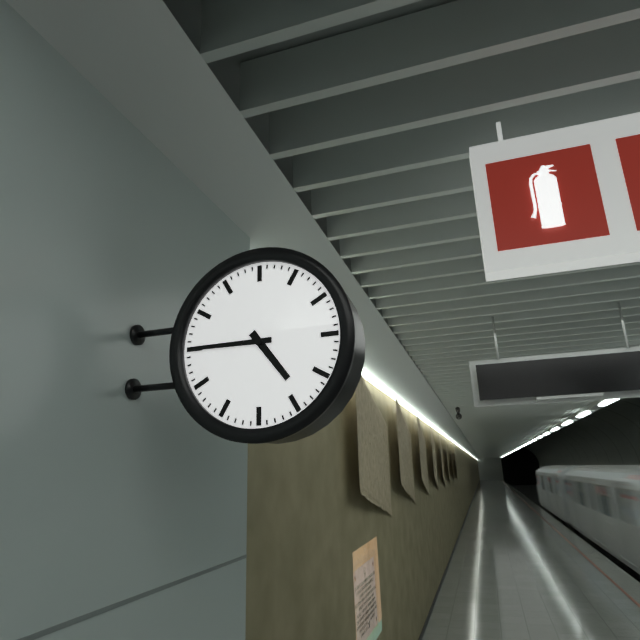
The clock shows 4:45
